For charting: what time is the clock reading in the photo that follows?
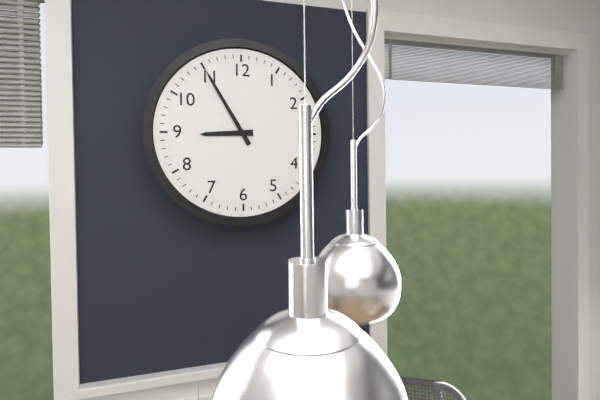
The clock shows 8:55
